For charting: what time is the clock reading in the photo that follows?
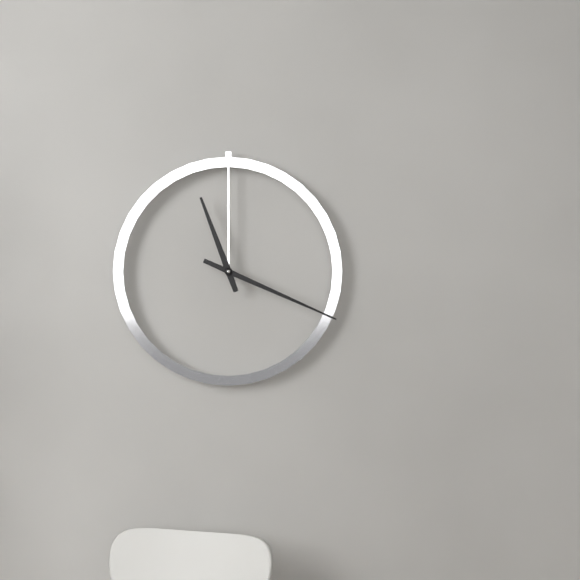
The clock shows 11:19
